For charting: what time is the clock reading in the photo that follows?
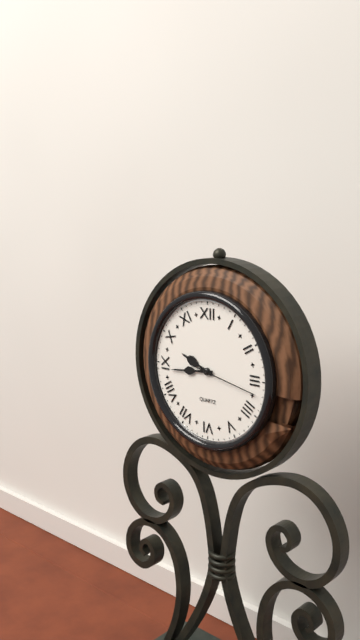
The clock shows 9:44:17
